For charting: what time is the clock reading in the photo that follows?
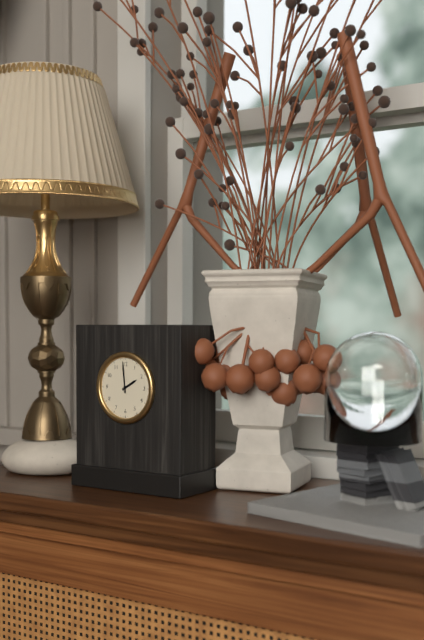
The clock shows 1:59
